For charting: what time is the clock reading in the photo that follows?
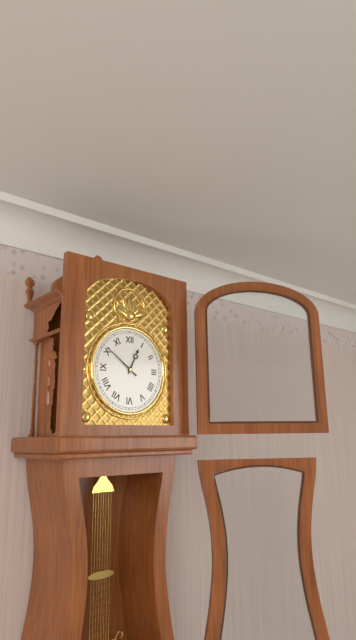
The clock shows 12:51
